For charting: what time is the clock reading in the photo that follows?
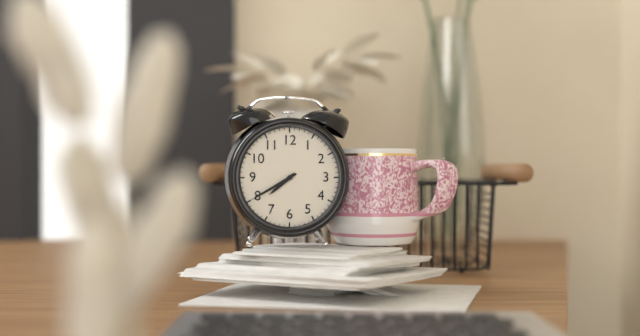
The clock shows 7:40
